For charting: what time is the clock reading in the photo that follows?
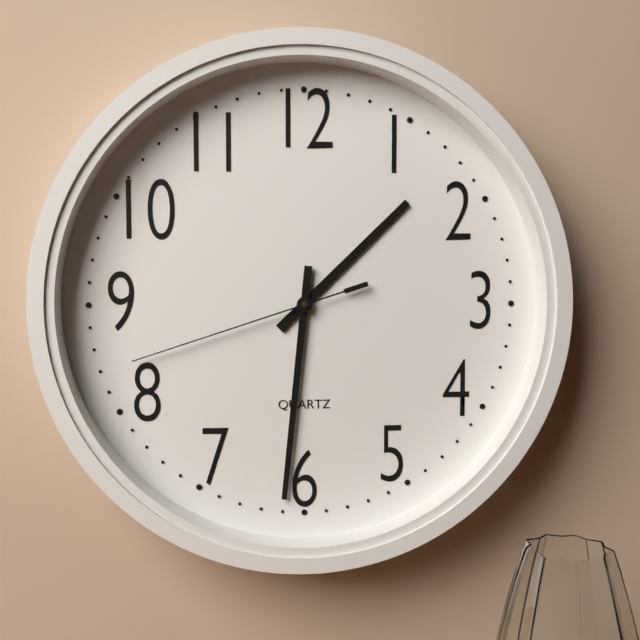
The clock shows 1:31:42
